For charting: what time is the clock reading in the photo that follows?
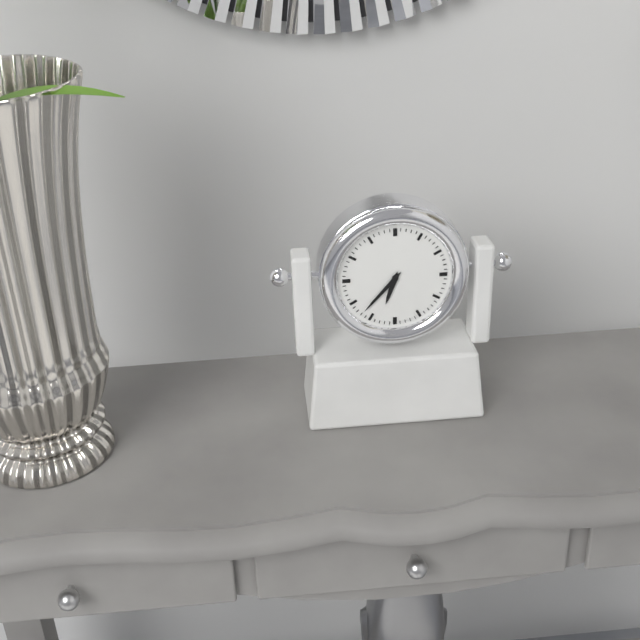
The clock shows 6:37
